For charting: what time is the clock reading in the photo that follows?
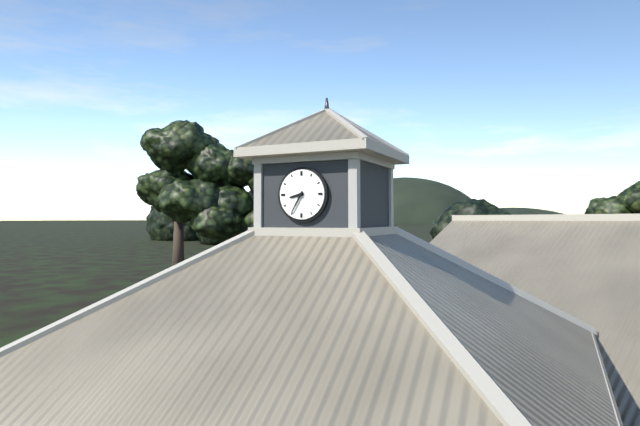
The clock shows 8:35
